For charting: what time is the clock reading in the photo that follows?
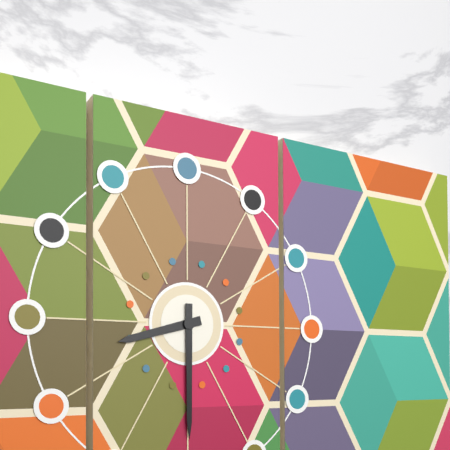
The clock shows 8:30
